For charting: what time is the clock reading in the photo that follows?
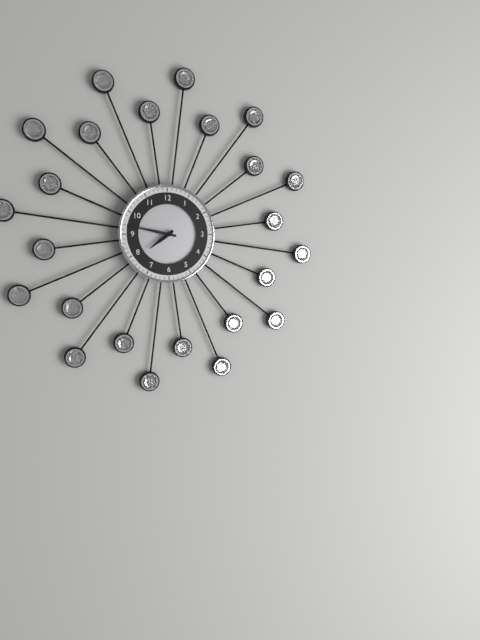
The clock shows 7:47
